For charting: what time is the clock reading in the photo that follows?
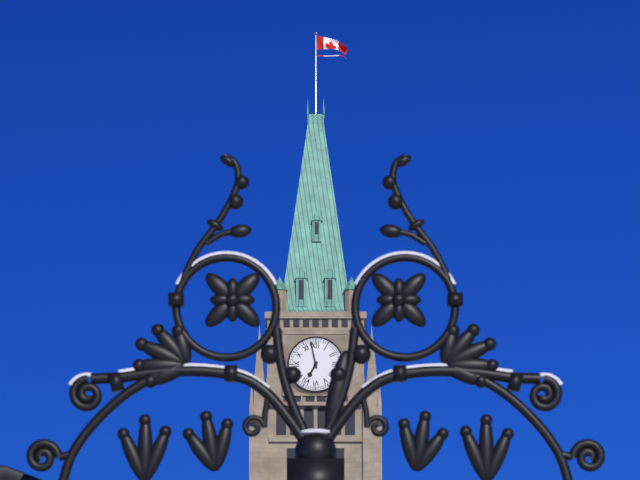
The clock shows 6:58
